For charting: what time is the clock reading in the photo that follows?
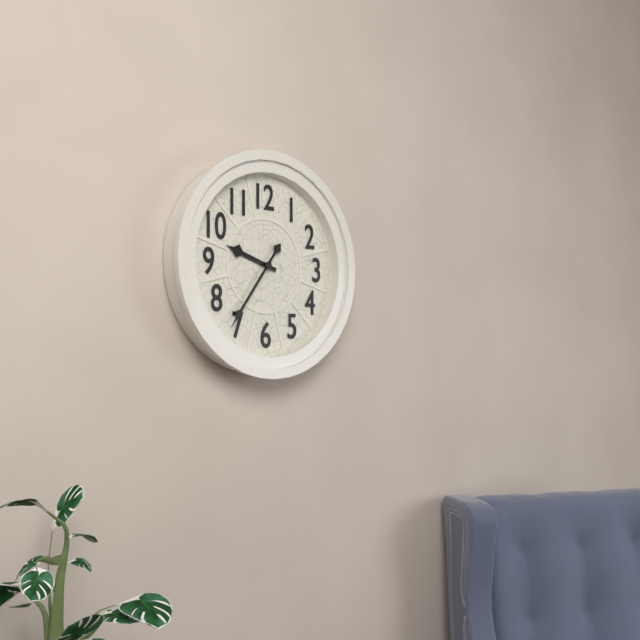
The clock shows 9:36
